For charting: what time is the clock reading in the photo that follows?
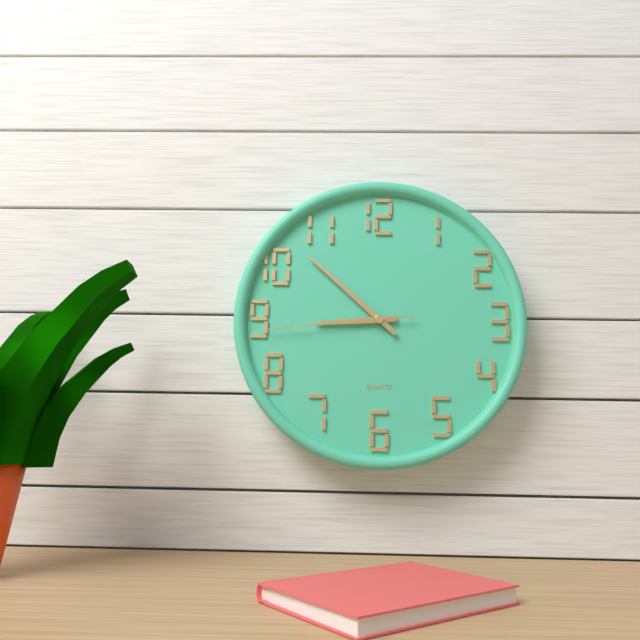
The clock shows 8:52:44
